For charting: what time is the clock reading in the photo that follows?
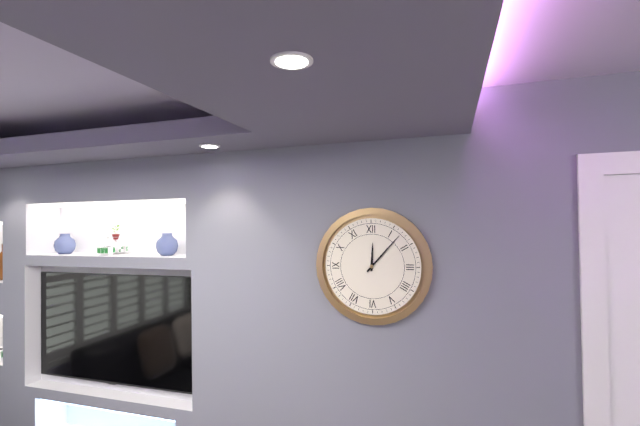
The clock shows 12:07
